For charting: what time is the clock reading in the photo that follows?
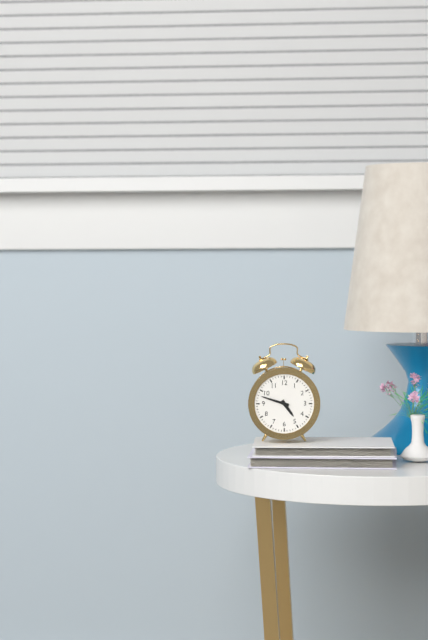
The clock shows 4:48
